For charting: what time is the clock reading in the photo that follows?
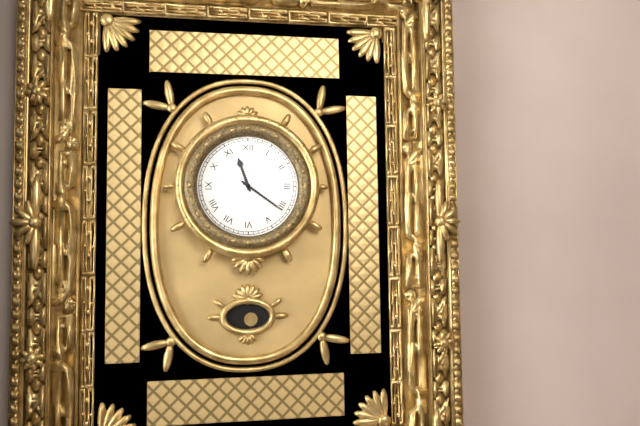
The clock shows 11:21
